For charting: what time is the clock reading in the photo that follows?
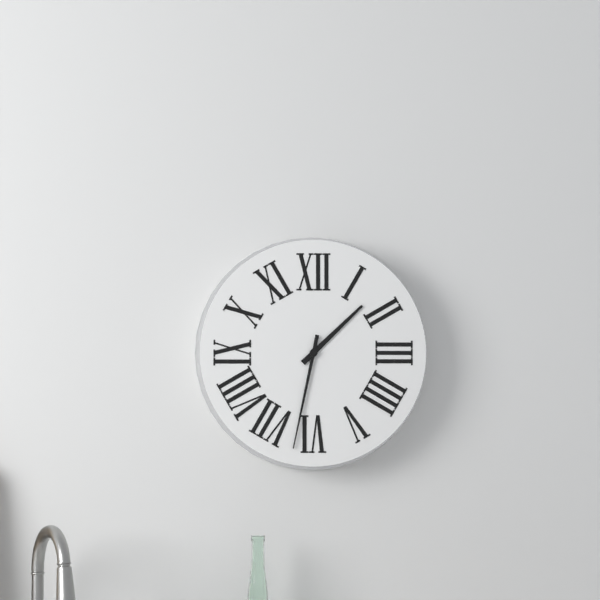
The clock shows 1:32
